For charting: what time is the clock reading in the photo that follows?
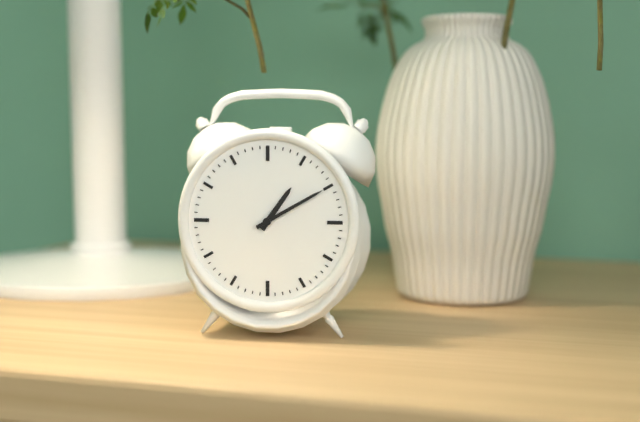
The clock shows 1:10
